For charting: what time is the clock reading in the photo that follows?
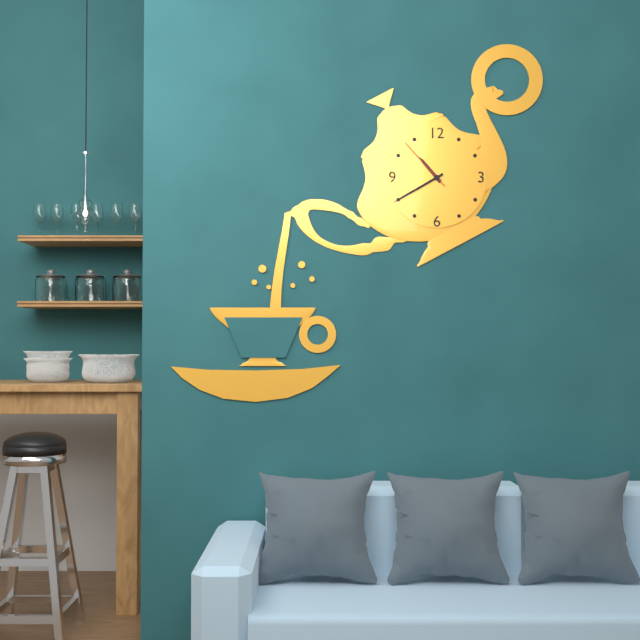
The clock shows 10:40:53
